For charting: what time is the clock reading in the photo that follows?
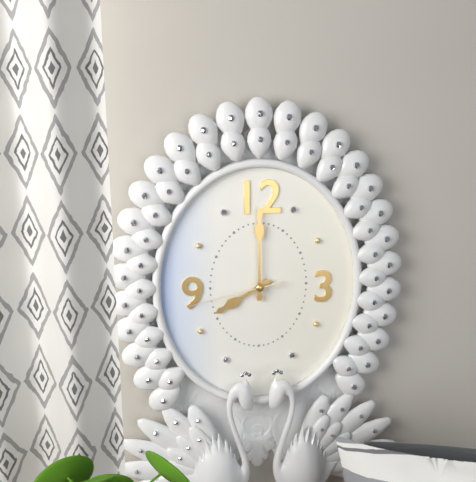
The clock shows 8:00:43
